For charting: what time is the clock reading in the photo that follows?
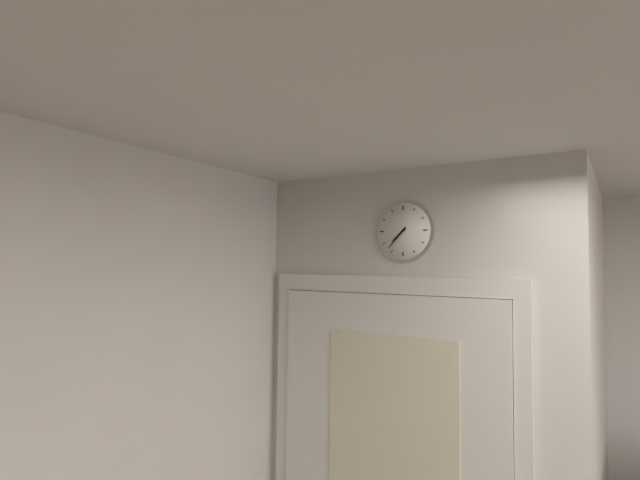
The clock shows 7:37
